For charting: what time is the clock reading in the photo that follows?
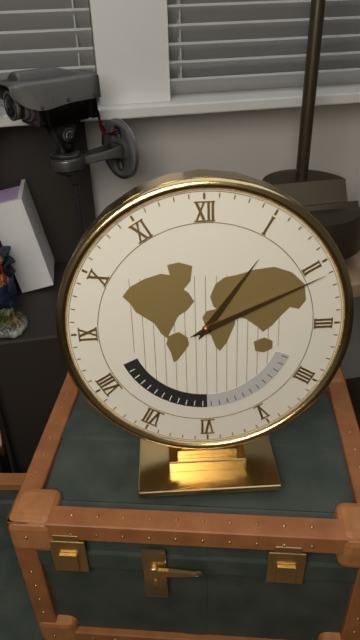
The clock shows 1:11
